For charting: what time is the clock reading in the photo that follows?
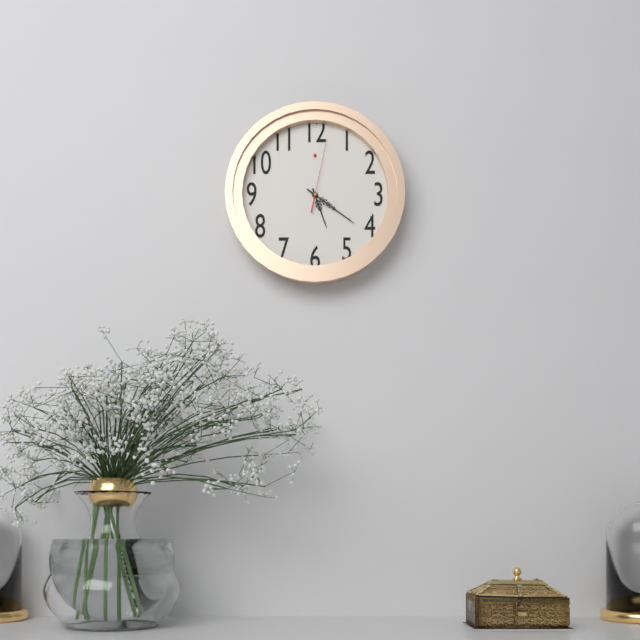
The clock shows 5:21:02
